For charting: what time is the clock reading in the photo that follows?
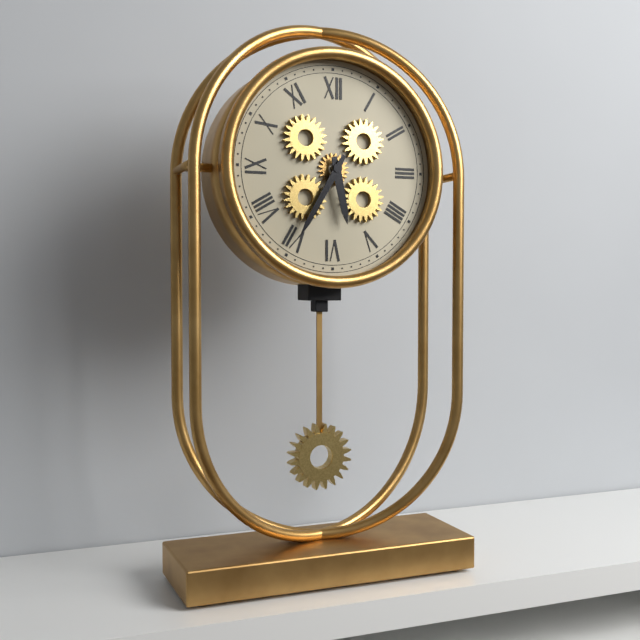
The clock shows 5:35
